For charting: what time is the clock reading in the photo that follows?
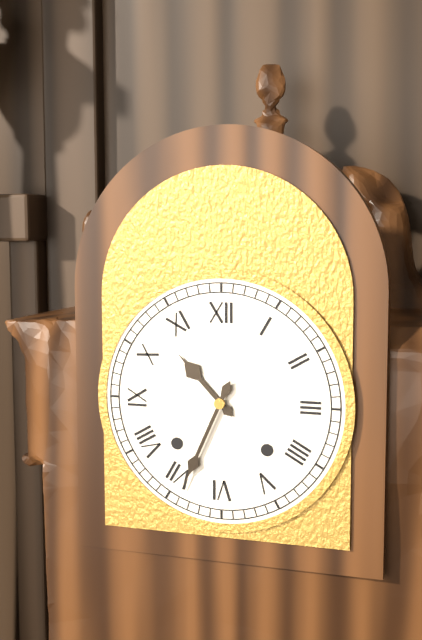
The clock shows 10:34
